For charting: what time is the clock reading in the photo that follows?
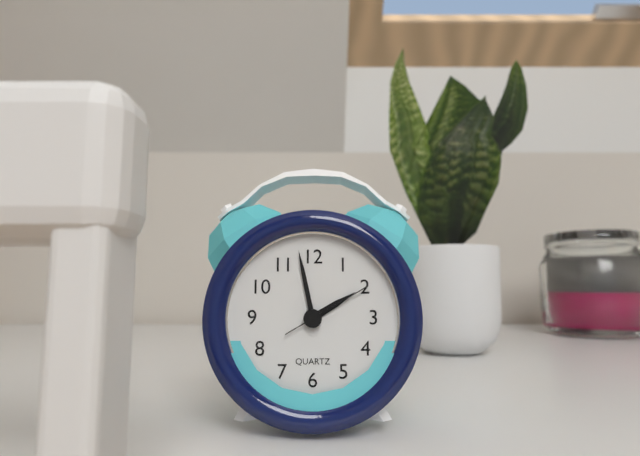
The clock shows 1:58:10
